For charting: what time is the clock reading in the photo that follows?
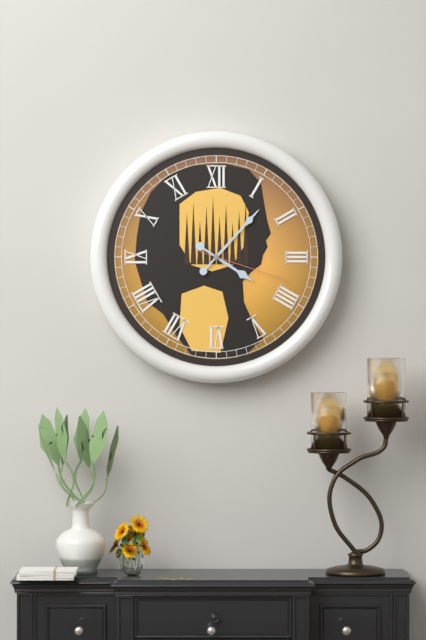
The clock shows 4:07:18
